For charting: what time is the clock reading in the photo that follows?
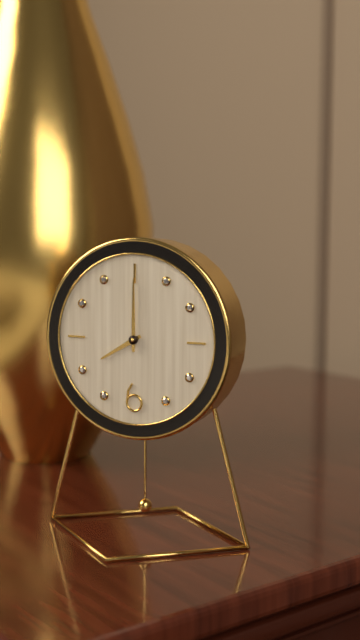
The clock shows 8:00
